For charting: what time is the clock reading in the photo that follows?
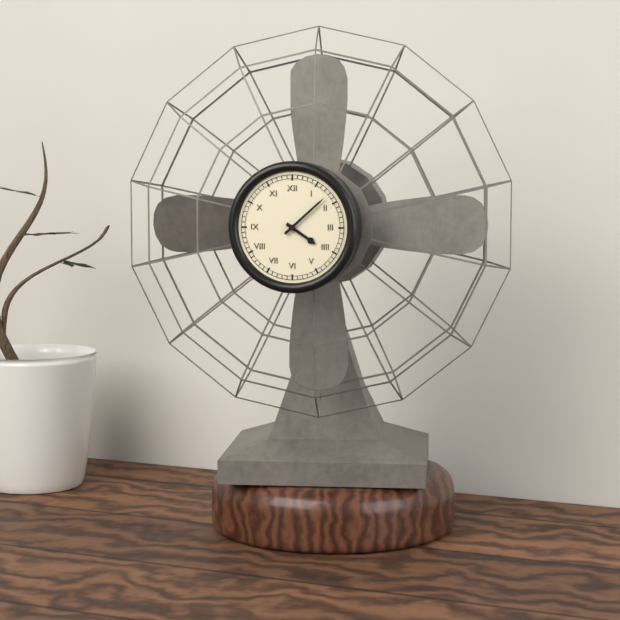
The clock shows 4:08
